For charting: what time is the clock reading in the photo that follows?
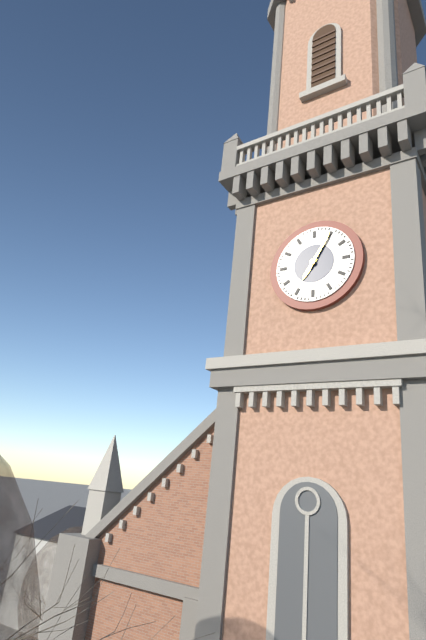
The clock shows 7:05
